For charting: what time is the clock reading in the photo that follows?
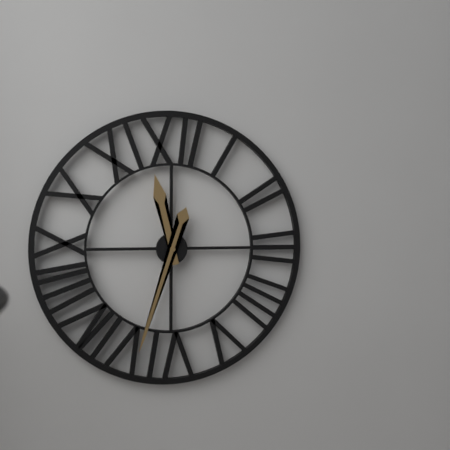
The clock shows 11:33
